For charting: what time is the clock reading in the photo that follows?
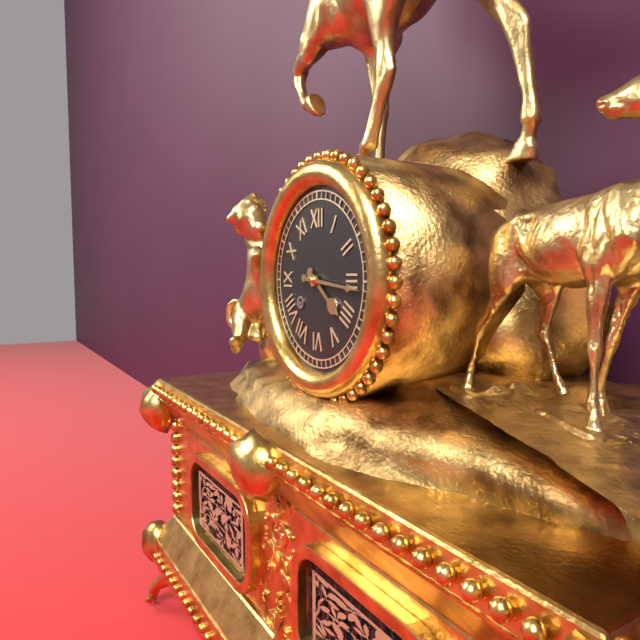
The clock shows 4:16
